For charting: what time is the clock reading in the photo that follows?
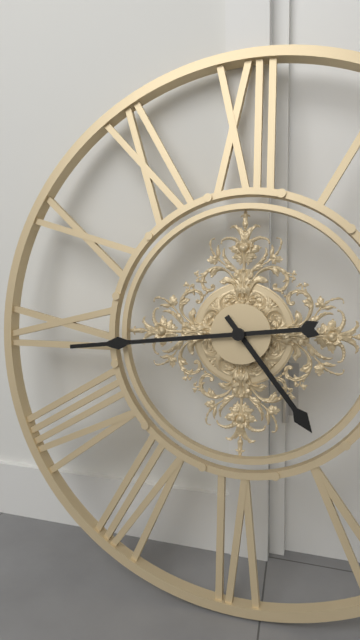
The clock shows 4:44
